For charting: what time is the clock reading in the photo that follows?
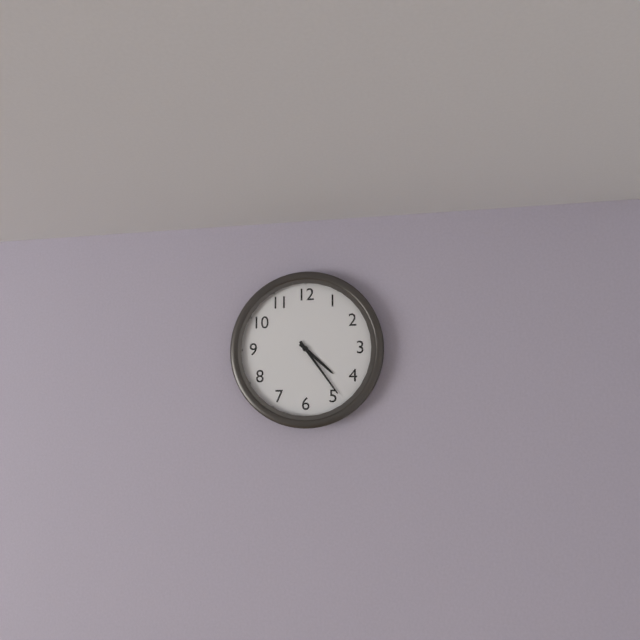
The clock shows 4:24
